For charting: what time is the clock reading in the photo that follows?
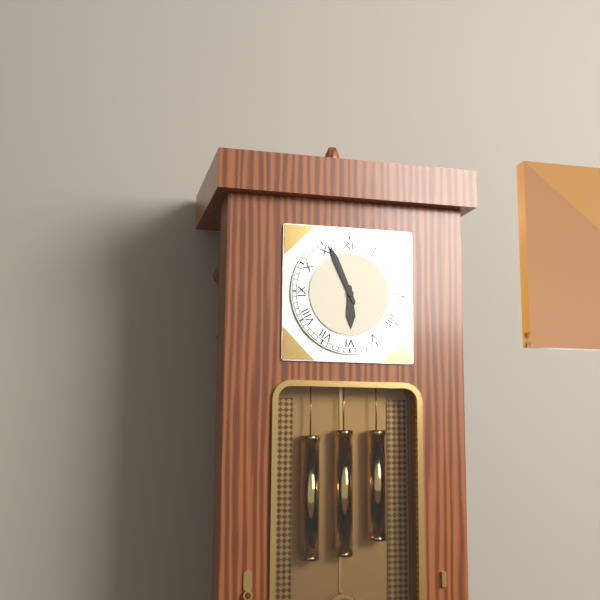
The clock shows 5:56
